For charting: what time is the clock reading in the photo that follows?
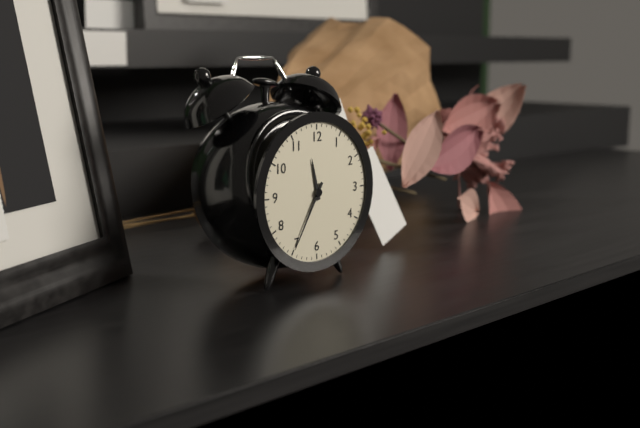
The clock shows 11:35
